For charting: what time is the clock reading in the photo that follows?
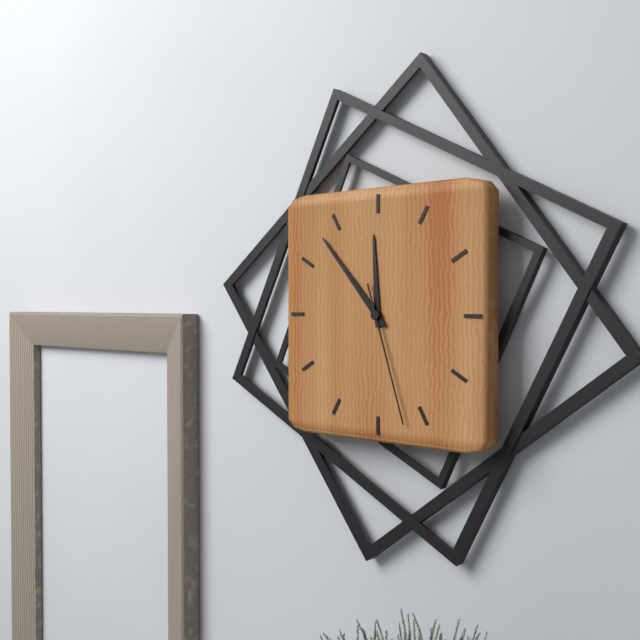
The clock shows 11:53:27
